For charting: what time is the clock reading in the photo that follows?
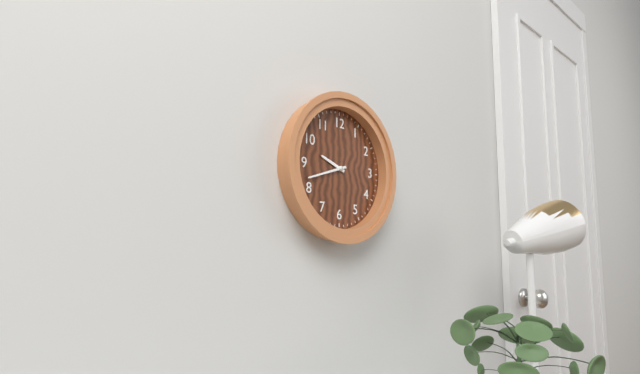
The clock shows 9:42
